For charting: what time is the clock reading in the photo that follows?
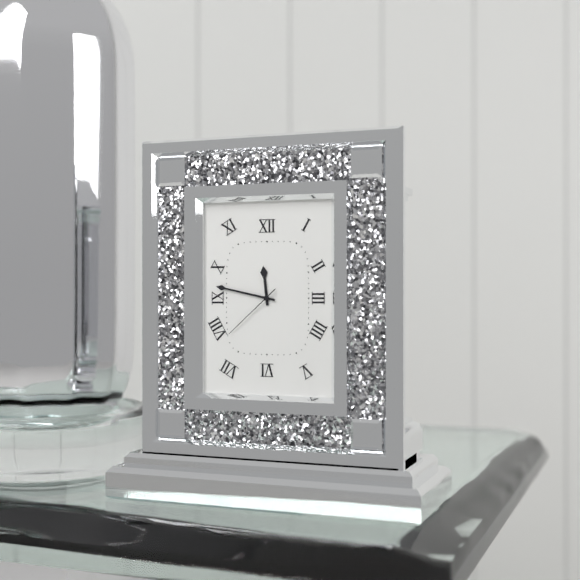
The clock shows 11:47:38
